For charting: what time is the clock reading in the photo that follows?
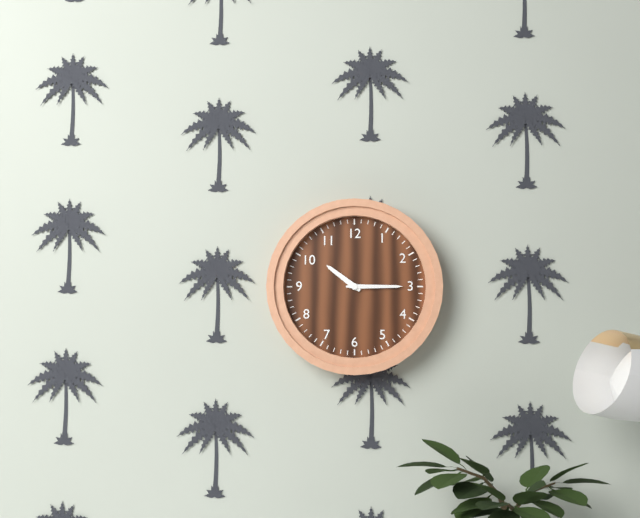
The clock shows 10:15
